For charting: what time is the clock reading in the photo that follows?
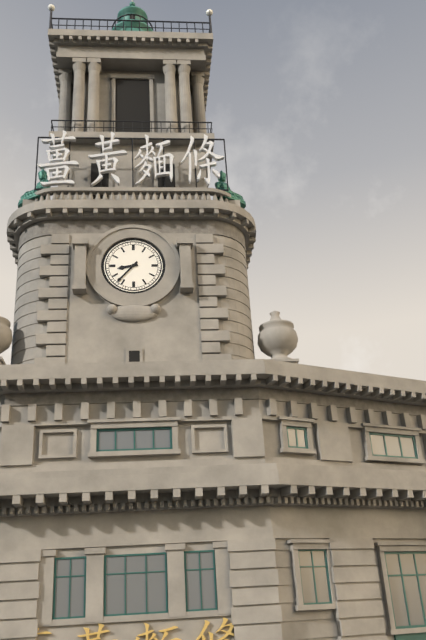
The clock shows 8:37
